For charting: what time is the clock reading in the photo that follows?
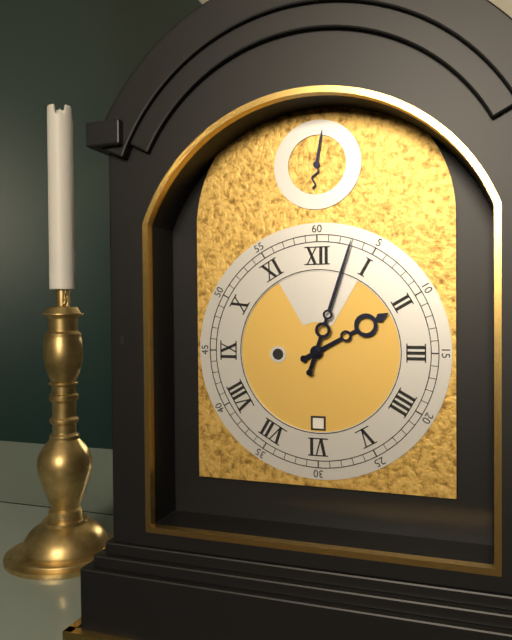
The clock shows 2:03
